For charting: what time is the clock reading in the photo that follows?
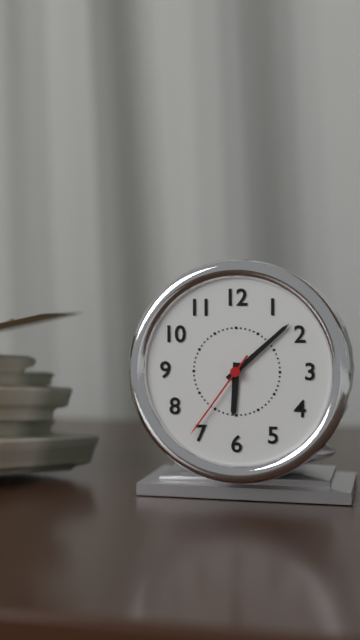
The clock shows 6:08:36
